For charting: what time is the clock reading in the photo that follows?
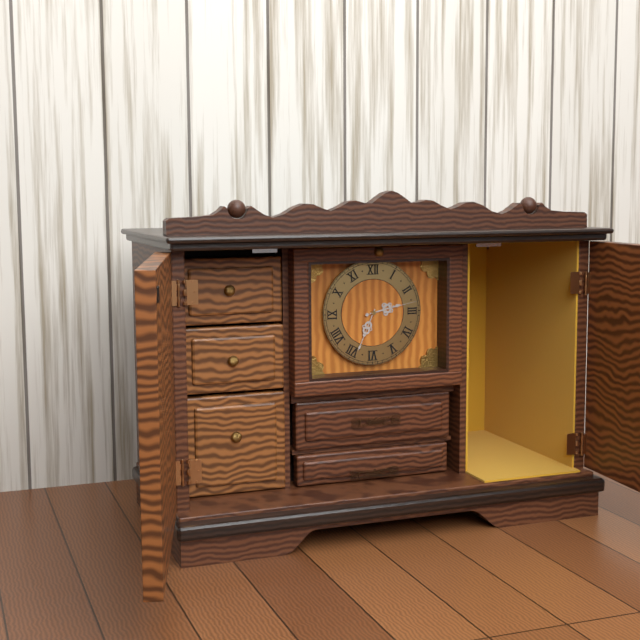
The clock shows 2:34:13
